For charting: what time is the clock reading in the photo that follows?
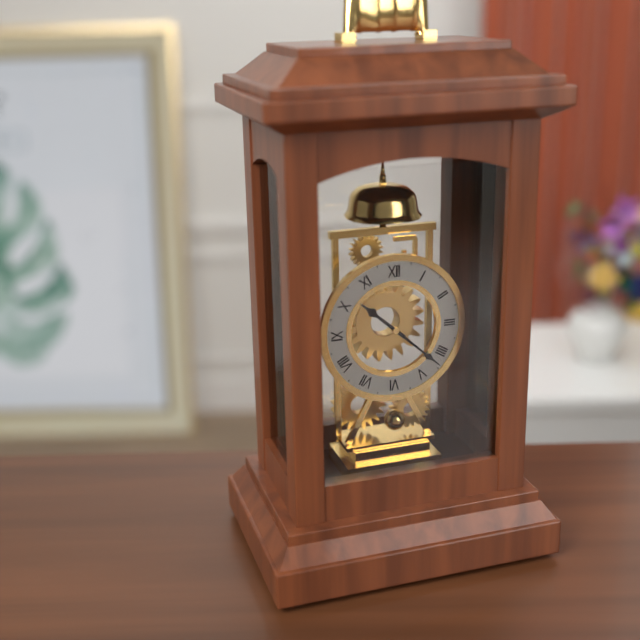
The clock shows 10:22
